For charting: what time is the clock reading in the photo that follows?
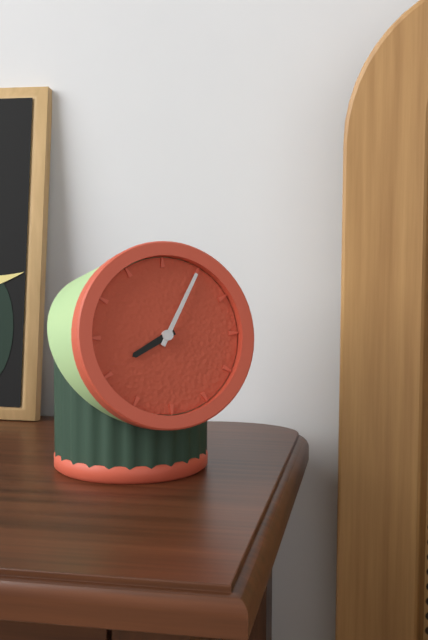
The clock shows 8:05
